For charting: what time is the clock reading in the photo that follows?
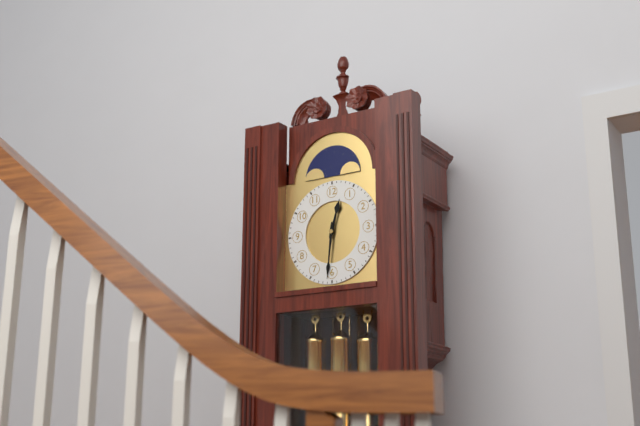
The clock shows 12:31
